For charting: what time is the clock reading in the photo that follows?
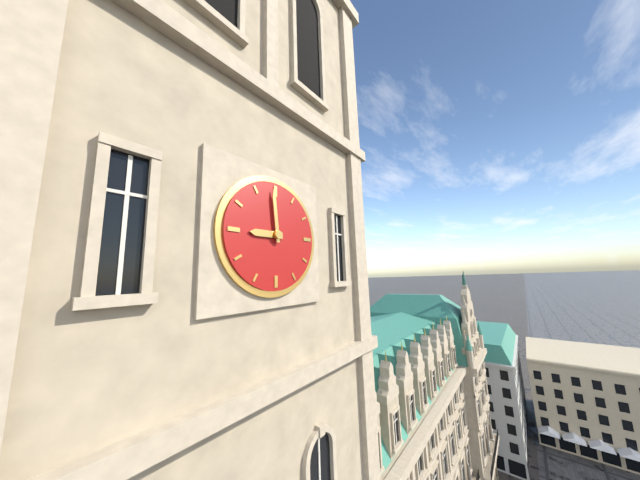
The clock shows 8:59
